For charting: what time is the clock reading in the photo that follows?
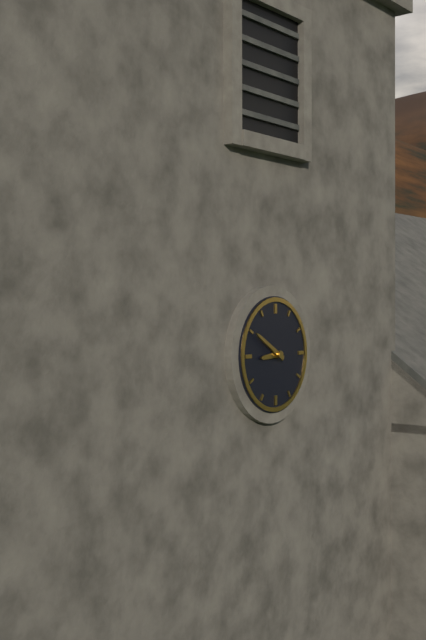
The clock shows 8:50
